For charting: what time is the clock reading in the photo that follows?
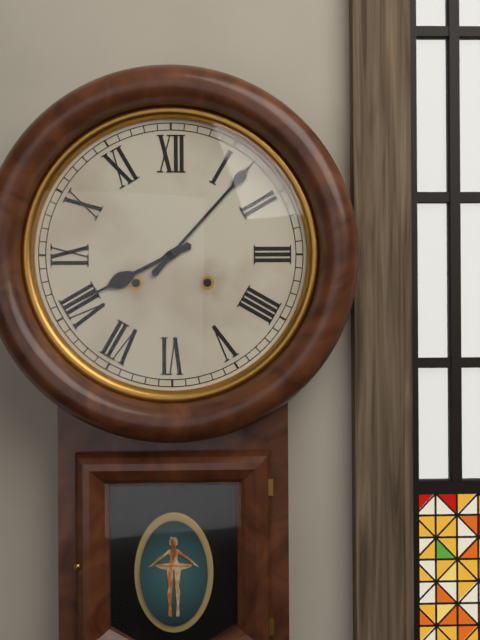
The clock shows 8:07
